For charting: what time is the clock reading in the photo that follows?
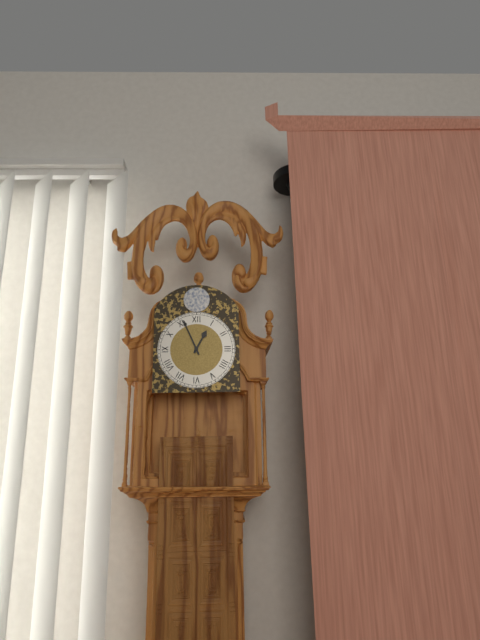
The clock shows 12:56
